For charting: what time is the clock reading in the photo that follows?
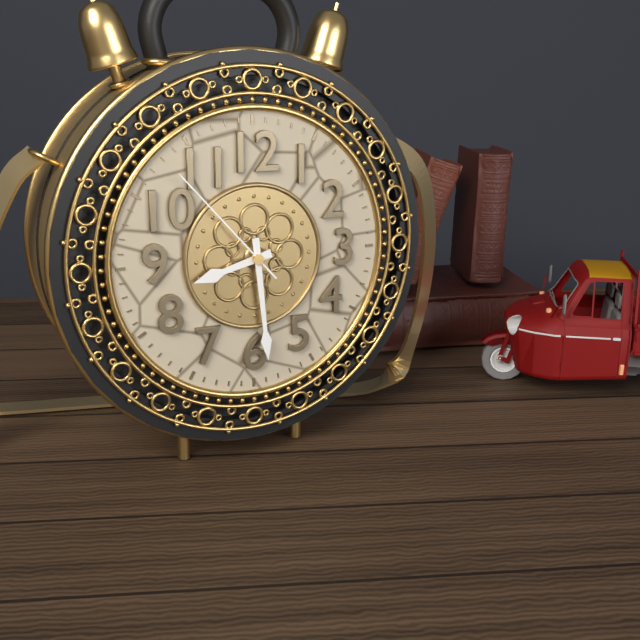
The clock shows 8:29:53
